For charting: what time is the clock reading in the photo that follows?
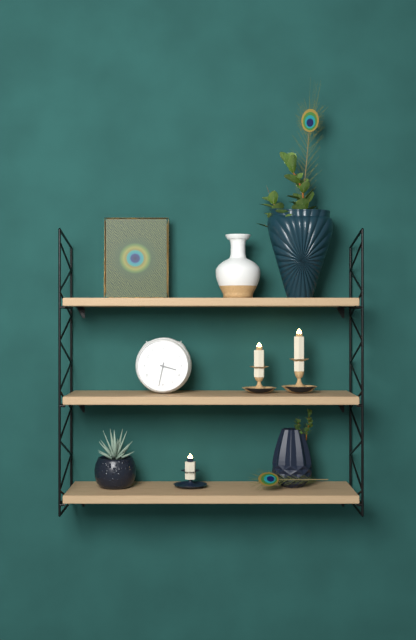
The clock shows 3:32
